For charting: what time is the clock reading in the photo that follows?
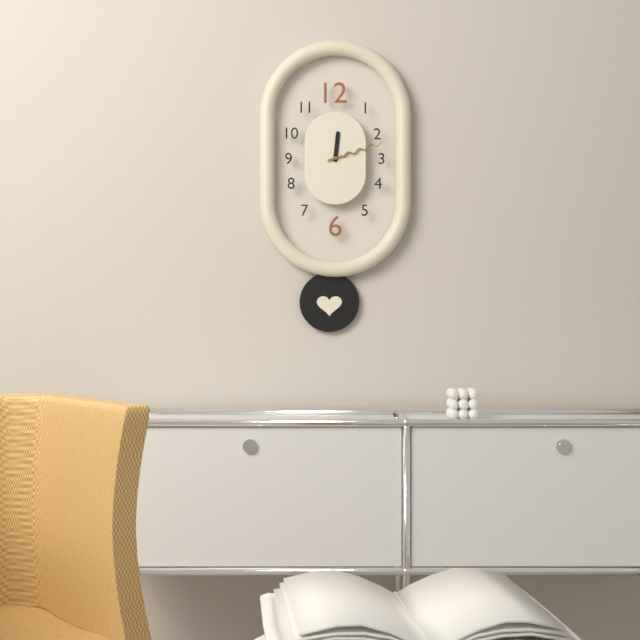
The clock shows 12:12
